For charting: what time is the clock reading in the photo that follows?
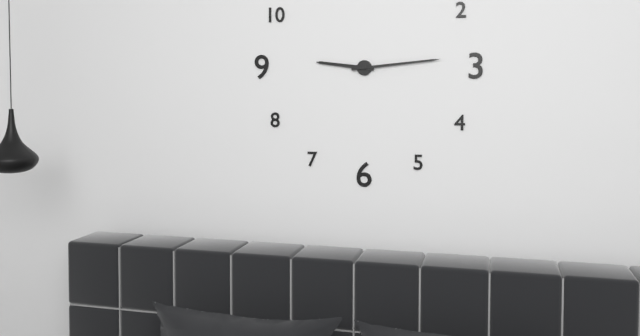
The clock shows 9:14
